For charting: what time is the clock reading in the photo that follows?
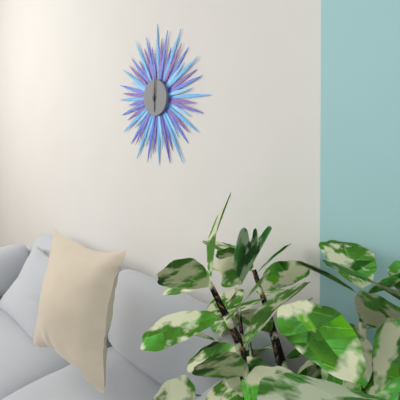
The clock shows 6:01
